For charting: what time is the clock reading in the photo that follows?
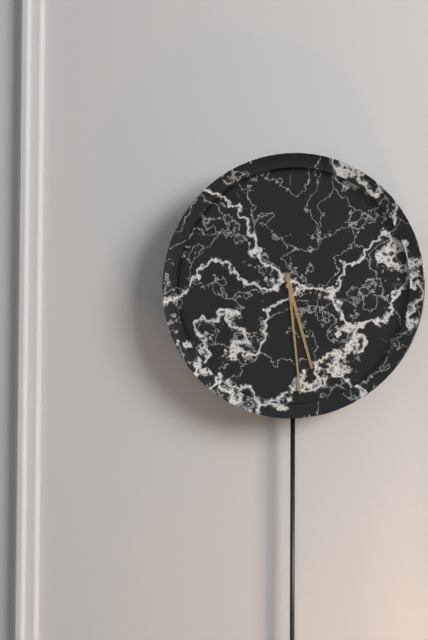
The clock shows 5:29
